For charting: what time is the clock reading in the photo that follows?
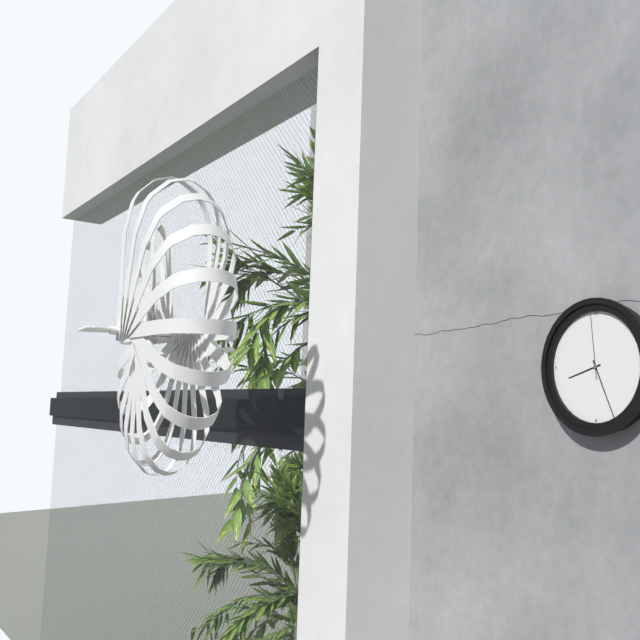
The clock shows 8:26:59
